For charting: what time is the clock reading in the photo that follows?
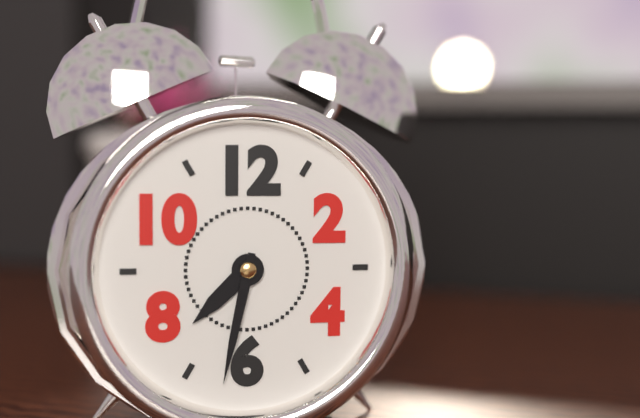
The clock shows 7:32
